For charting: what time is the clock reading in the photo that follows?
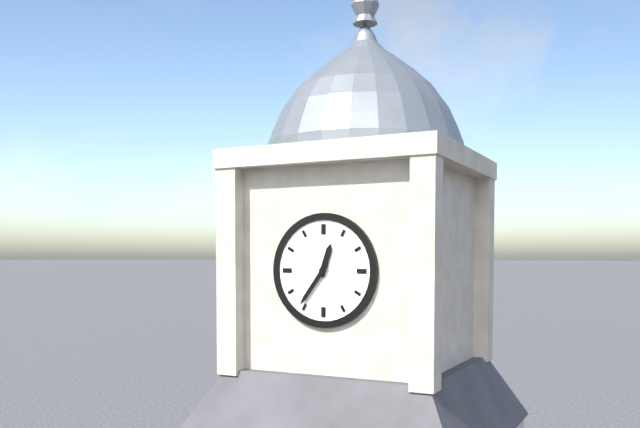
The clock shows 12:36
